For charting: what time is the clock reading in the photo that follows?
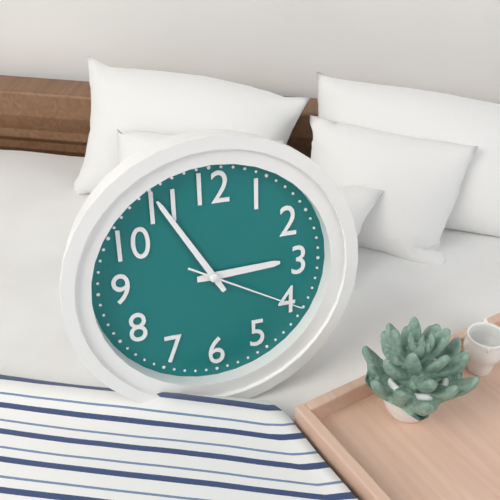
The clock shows 2:55:20
